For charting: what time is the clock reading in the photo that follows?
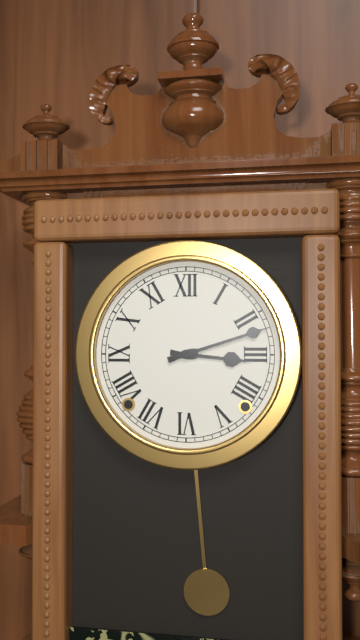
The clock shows 3:12
